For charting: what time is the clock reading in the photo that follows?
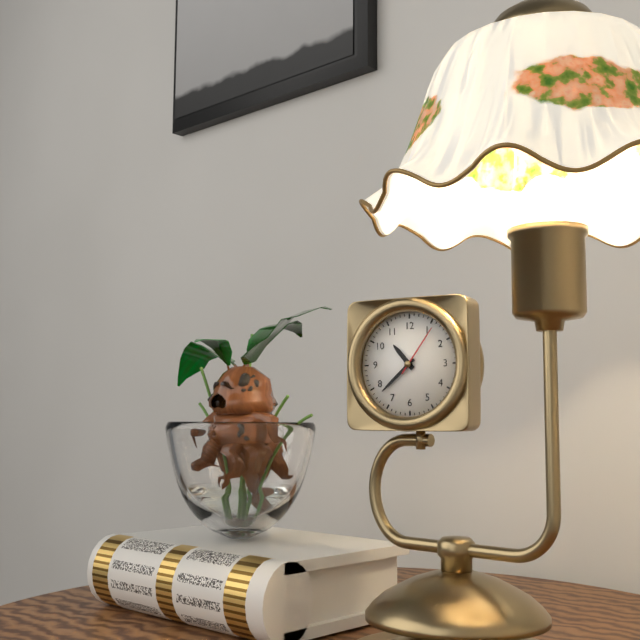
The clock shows 10:38:06
